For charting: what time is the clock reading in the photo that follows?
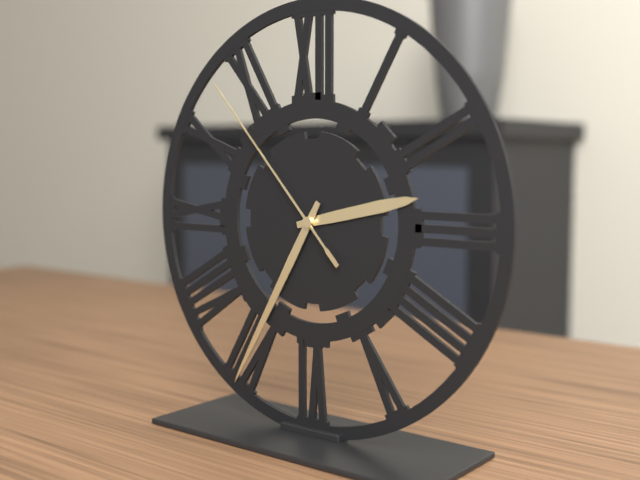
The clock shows 2:35:53
